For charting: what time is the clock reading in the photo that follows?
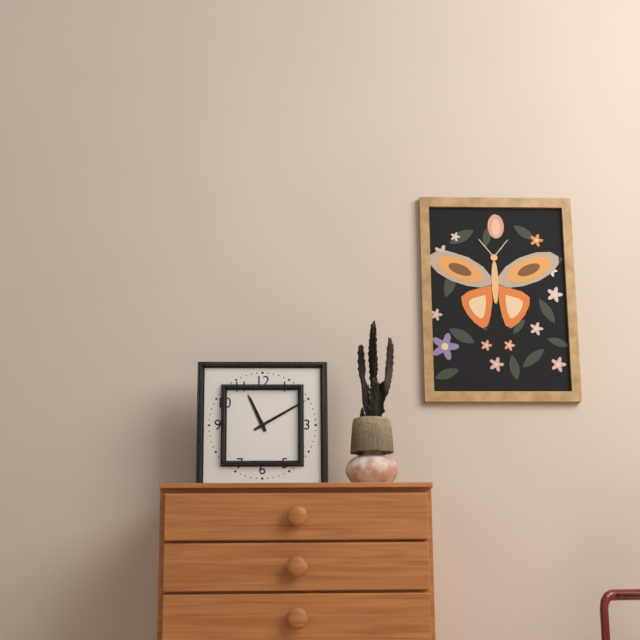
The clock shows 11:10
